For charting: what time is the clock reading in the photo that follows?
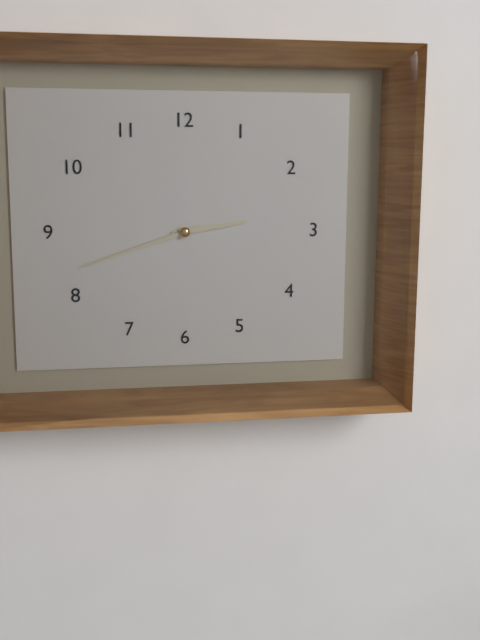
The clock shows 2:42
